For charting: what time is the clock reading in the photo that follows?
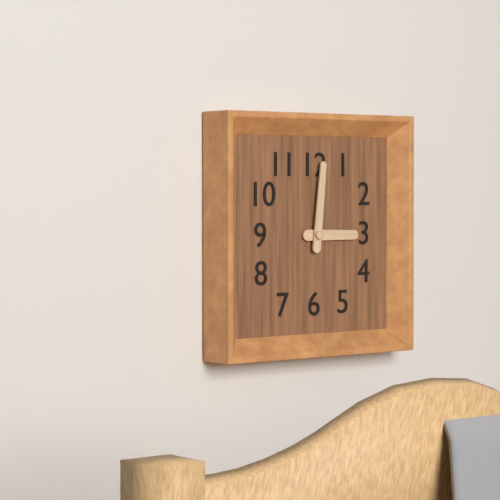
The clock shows 3:01
